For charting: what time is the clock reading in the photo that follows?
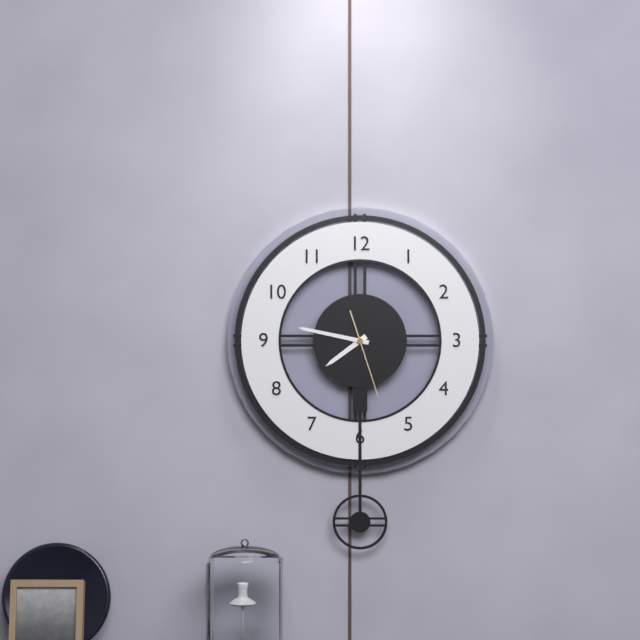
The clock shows 7:47:27
